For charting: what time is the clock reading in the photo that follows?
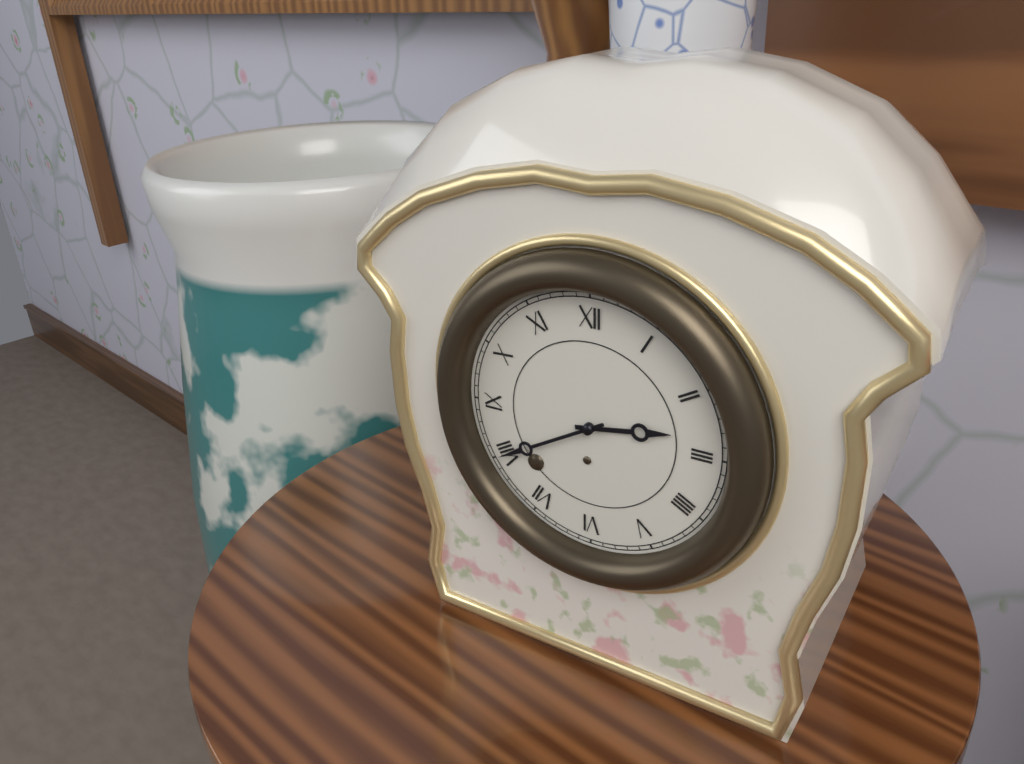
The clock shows 2:40
